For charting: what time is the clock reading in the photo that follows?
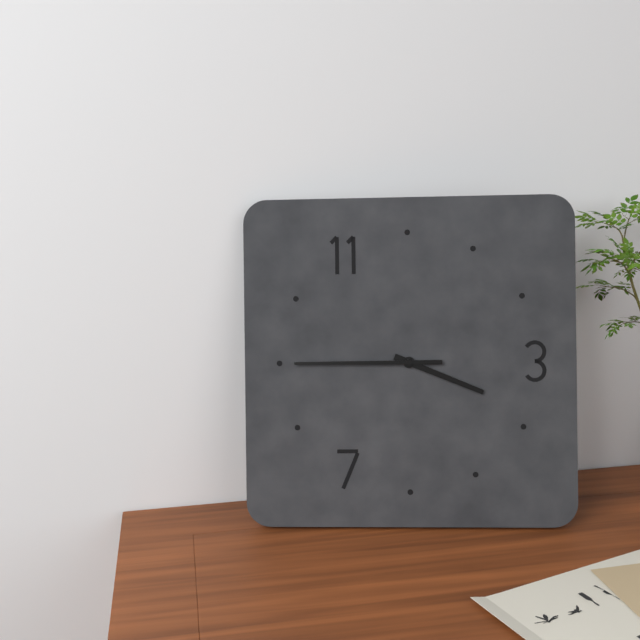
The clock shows 3:45
